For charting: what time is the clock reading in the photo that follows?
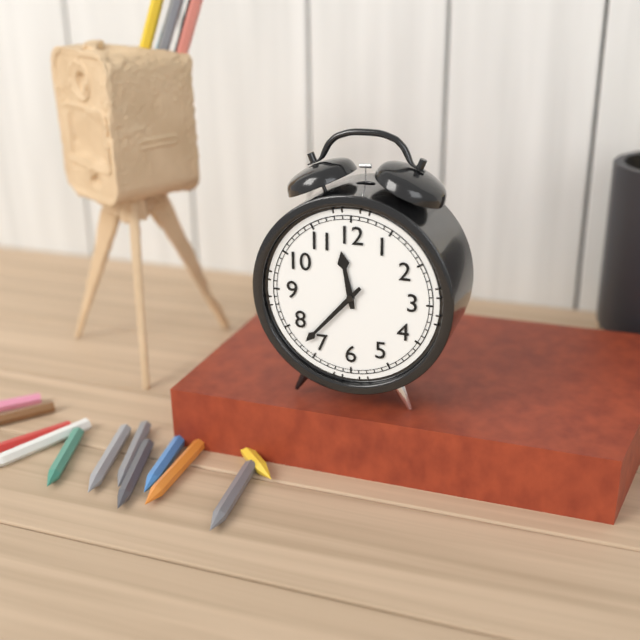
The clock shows 11:37
